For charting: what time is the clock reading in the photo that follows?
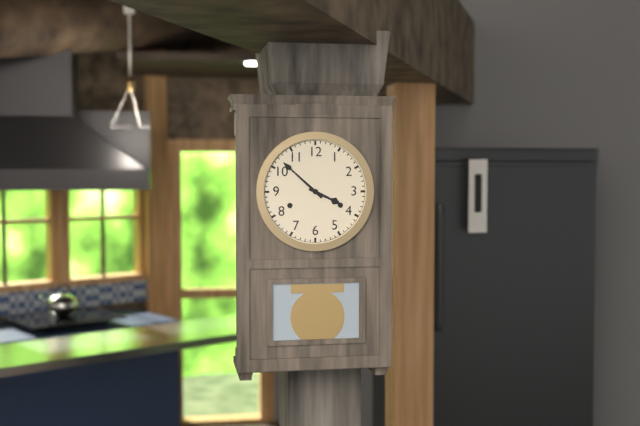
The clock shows 3:52
